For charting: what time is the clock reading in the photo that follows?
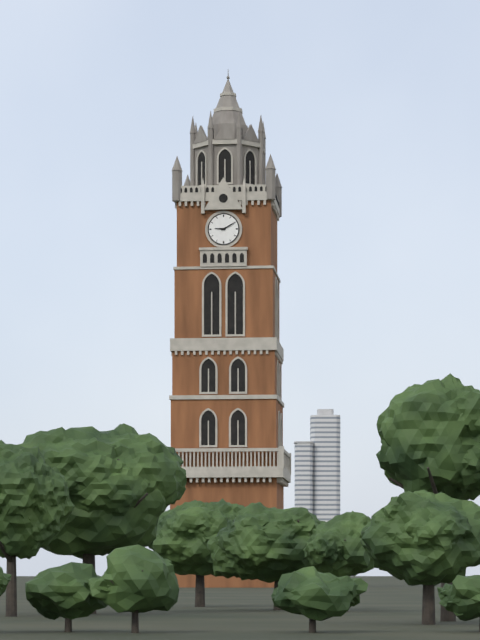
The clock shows 9:10
